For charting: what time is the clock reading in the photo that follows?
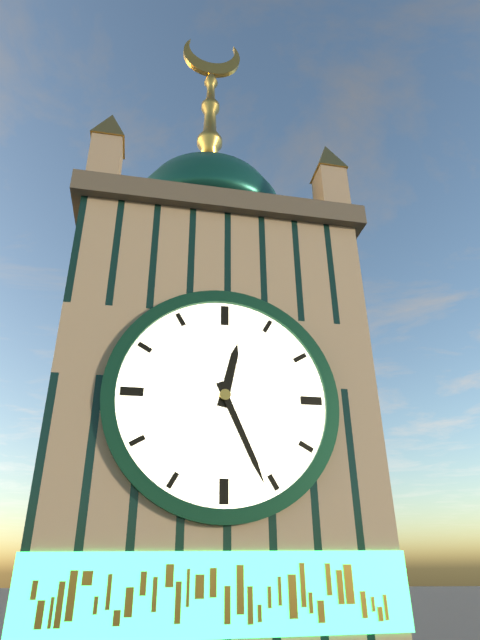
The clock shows 12:26
